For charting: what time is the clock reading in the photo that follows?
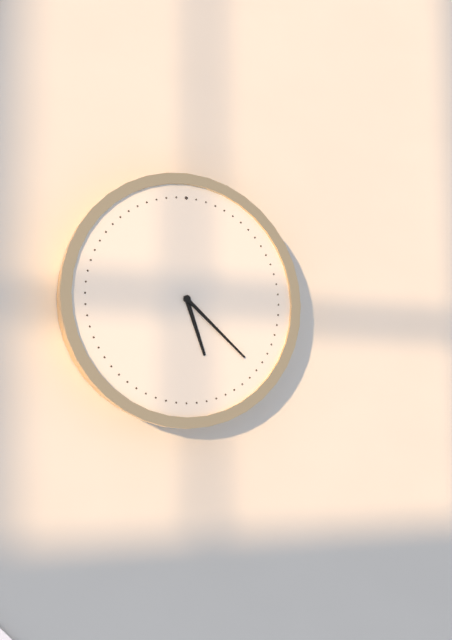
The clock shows 5:22
